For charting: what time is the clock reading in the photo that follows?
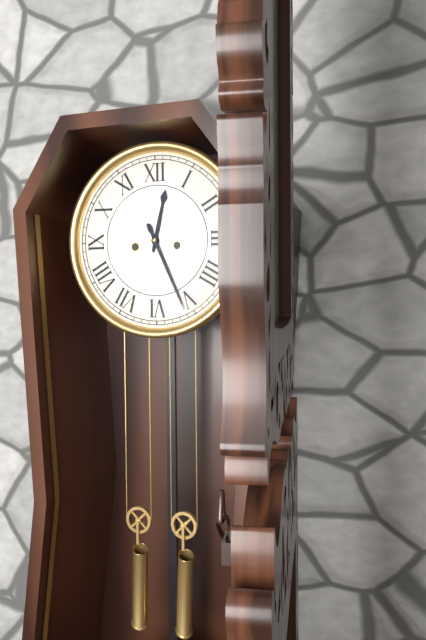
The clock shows 12:26
